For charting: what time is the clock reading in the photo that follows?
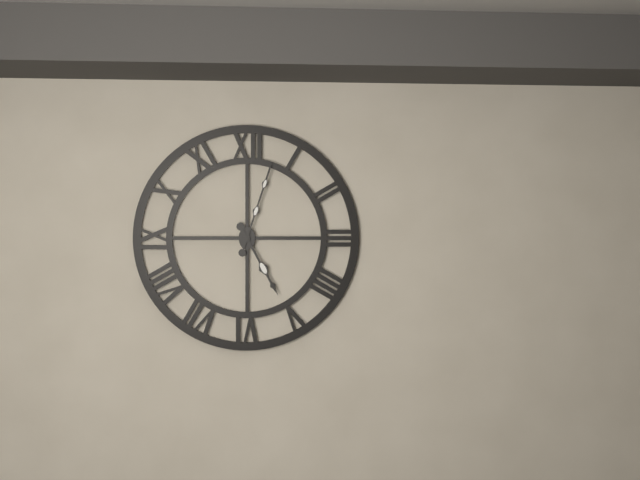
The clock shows 5:03
